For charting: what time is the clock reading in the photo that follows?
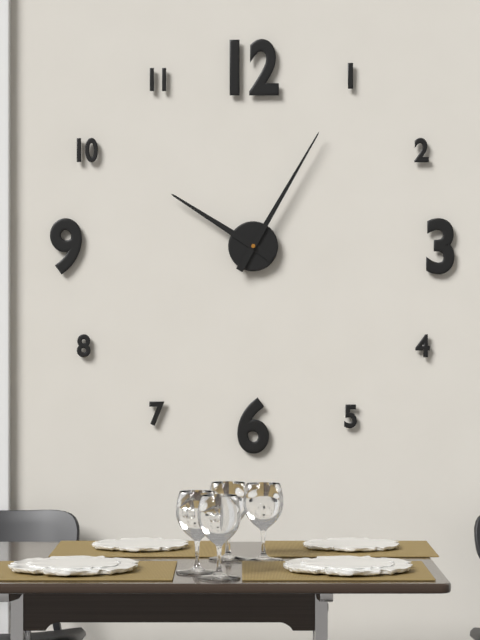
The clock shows 10:05
